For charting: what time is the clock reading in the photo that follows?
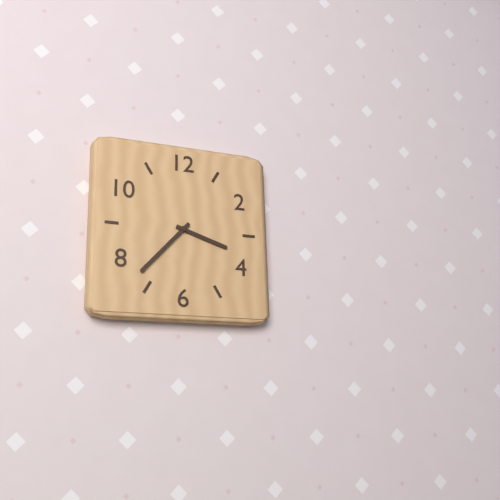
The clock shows 3:37
